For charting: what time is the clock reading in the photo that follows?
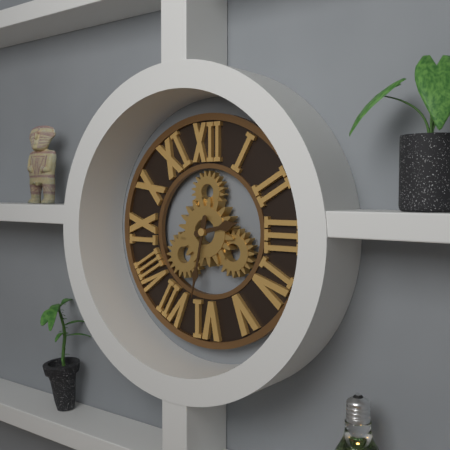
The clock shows 2:32
